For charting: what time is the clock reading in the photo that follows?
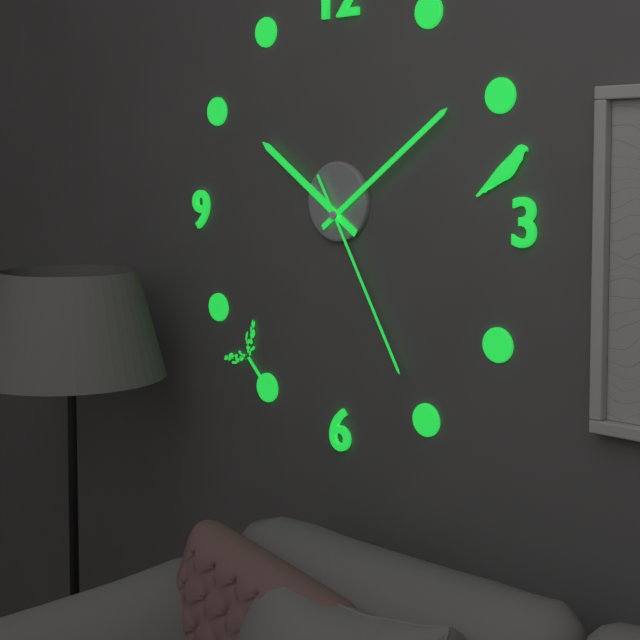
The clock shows 10:09:25
